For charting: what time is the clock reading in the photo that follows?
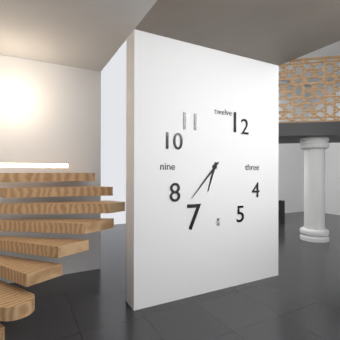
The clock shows 6:37
